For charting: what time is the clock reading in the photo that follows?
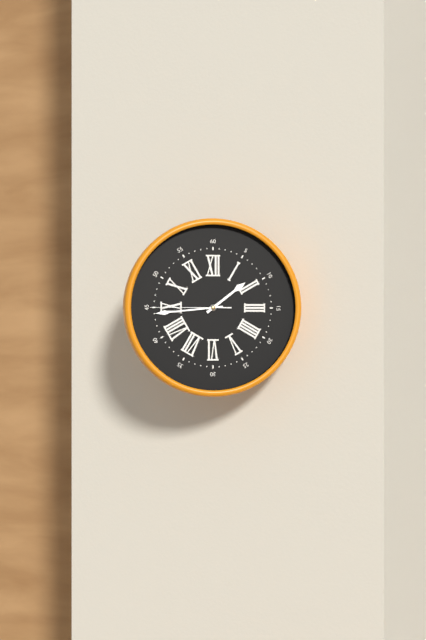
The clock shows 1:44:45
